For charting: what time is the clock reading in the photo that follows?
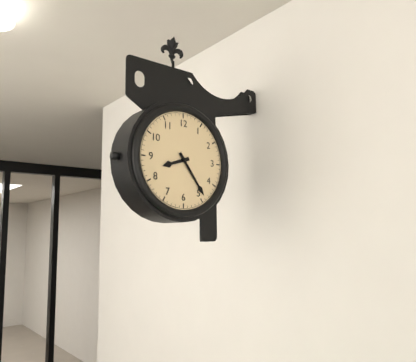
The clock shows 8:24
